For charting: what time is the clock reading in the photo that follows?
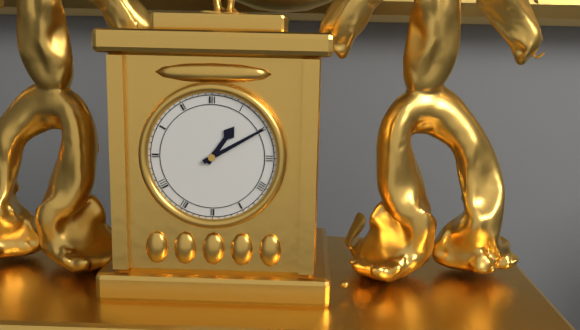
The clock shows 1:10
